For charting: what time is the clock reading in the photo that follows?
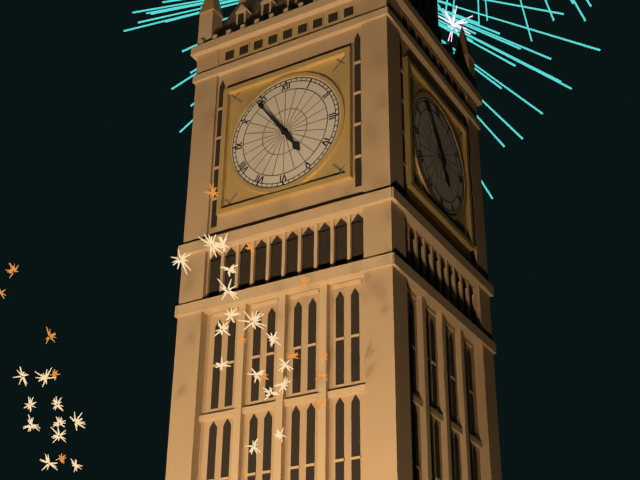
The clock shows 4:54
